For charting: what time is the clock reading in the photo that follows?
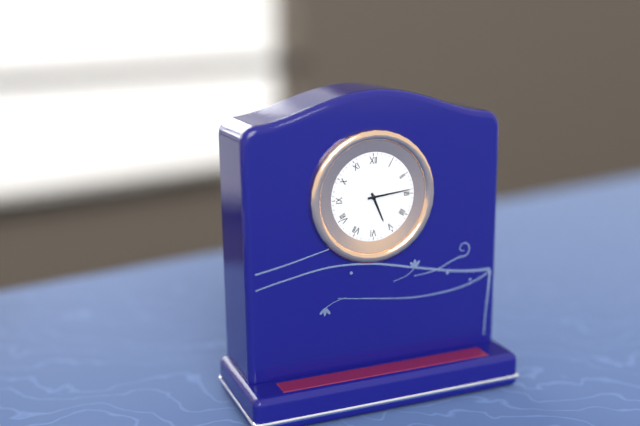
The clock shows 5:14
